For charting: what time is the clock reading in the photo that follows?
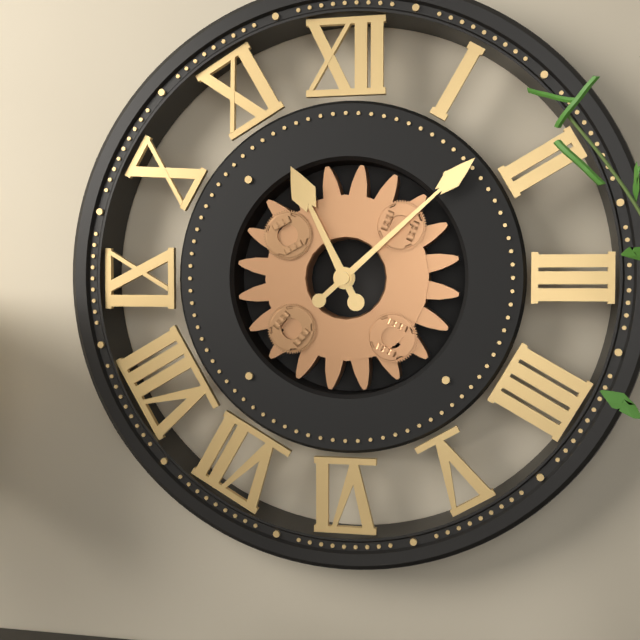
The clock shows 11:08
